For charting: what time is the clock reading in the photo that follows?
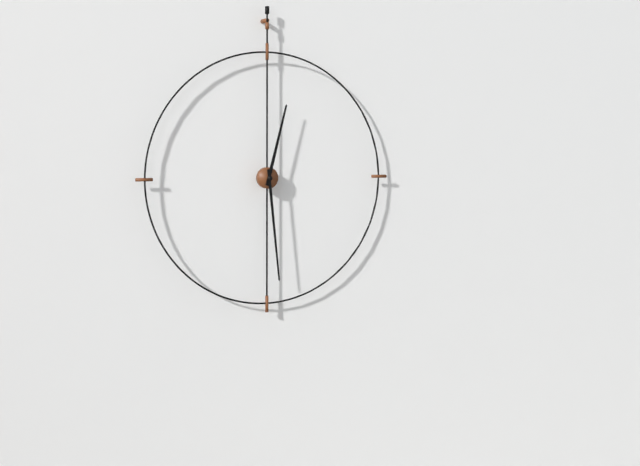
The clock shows 12:29
